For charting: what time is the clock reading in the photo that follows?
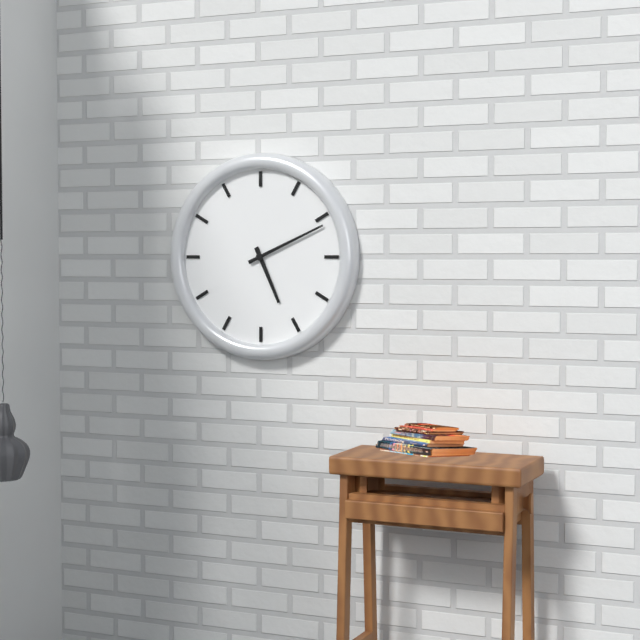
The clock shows 5:11
